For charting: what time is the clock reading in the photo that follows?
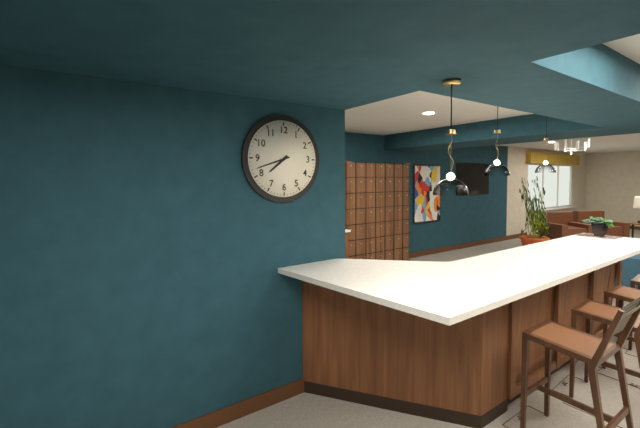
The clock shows 7:42
